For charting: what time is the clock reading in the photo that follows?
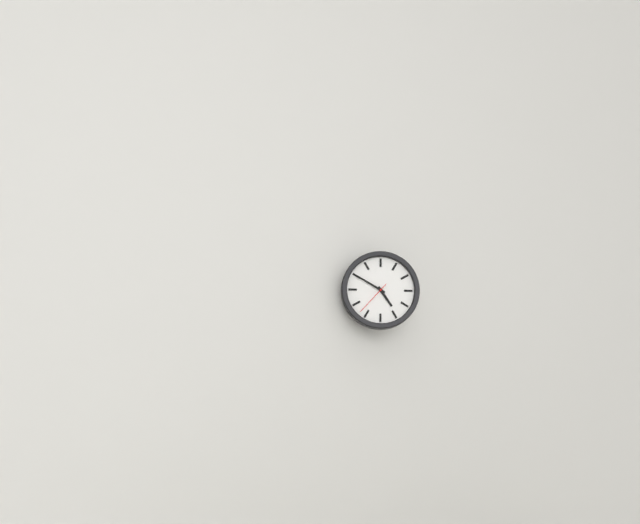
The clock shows 4:50
